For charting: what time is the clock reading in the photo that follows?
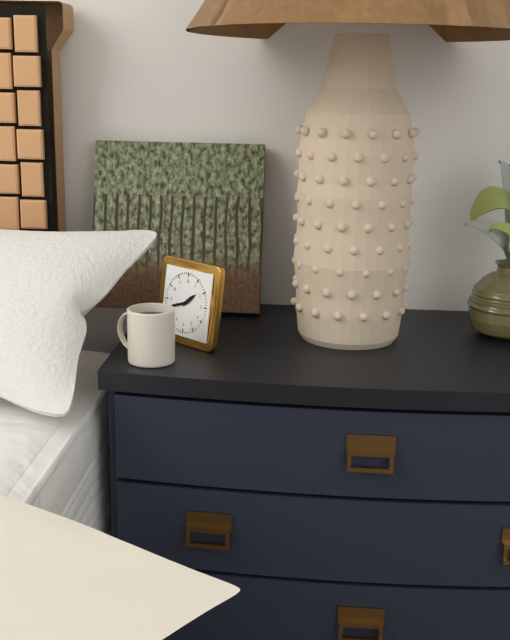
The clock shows 1:42
